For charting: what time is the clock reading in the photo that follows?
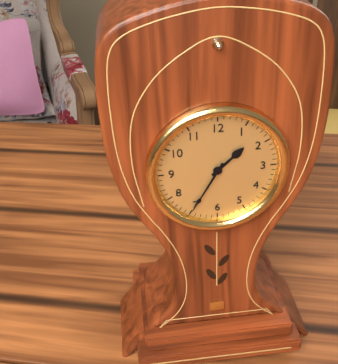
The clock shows 1:35
